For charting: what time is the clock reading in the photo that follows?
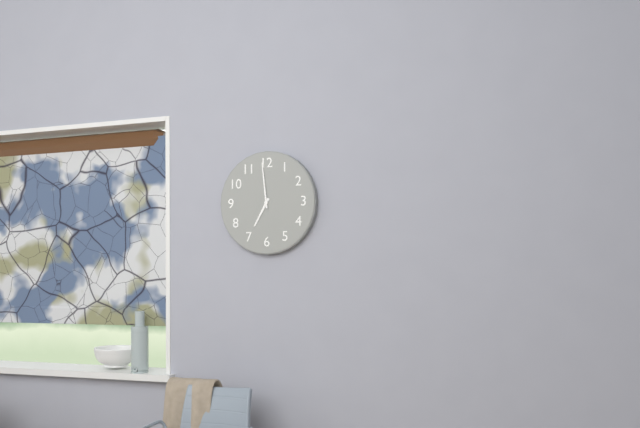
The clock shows 6:59
